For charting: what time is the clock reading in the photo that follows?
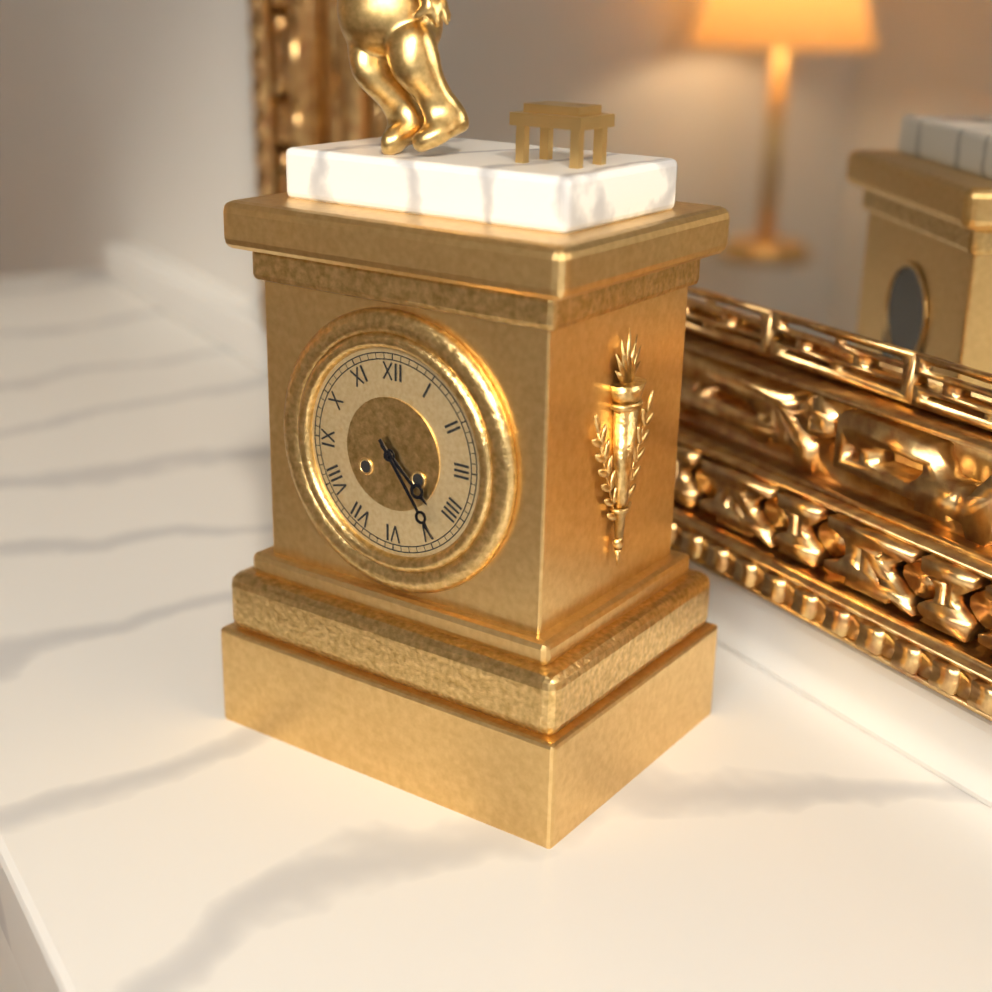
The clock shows 4:24
